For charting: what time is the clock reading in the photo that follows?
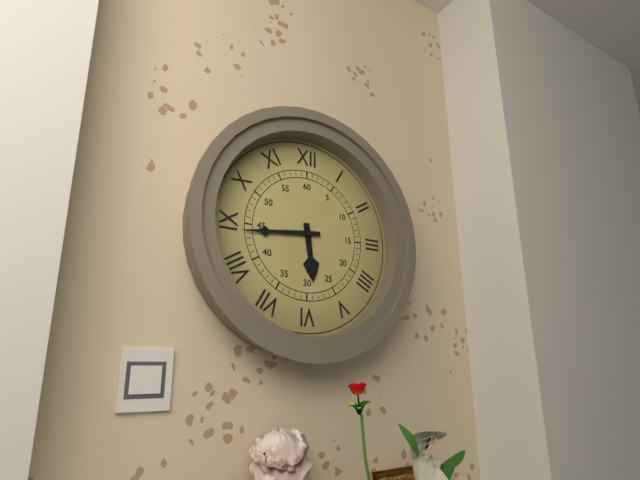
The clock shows 5:44
